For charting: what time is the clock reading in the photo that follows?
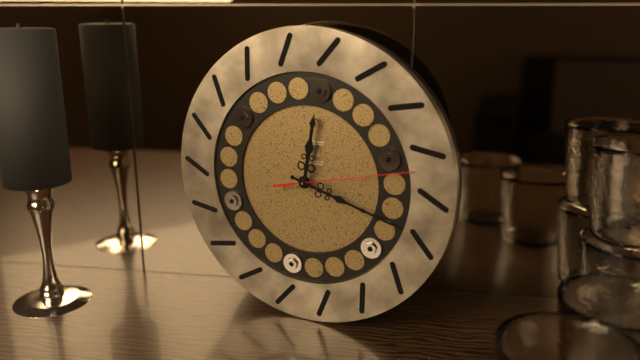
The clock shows 12:18:13
